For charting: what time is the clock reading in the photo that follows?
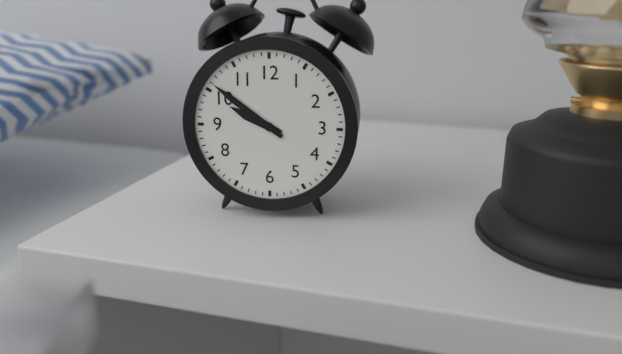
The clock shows 9:51
